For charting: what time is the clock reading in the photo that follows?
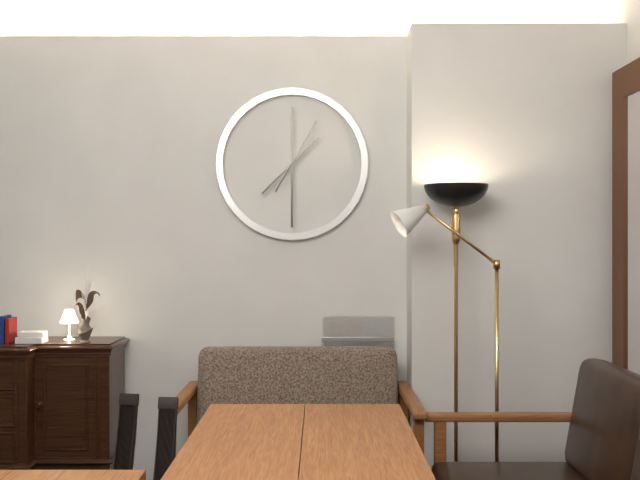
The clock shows 7:30:05
